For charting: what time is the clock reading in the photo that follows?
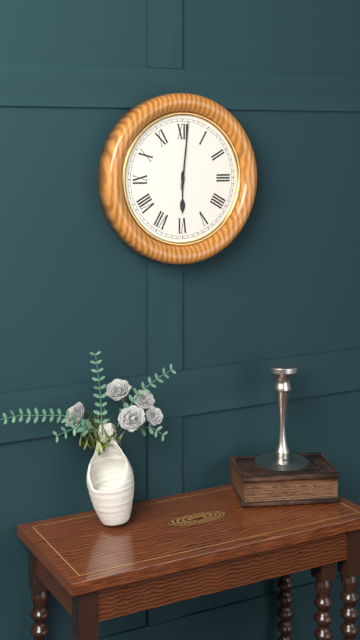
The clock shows 6:01
